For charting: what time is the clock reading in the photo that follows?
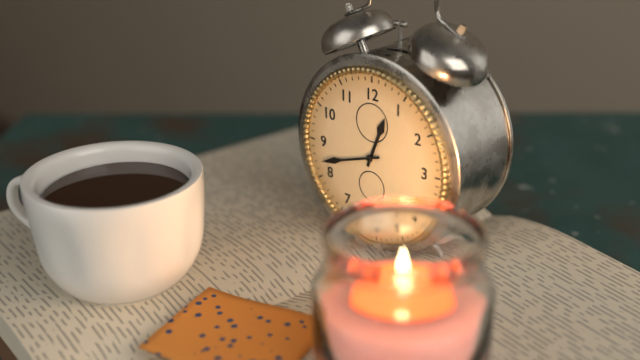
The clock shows 12:42
